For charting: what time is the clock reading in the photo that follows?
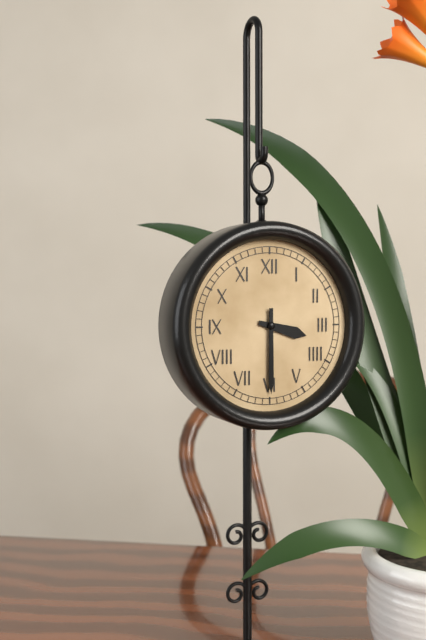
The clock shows 3:30
